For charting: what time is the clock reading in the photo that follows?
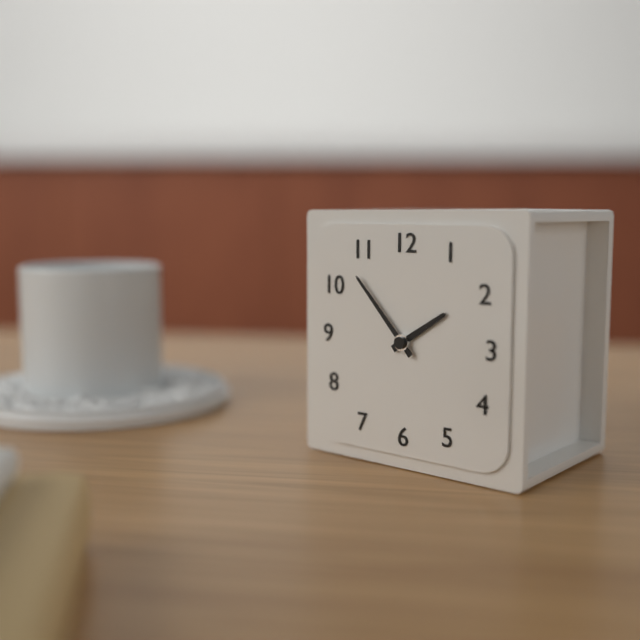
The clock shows 1:53
